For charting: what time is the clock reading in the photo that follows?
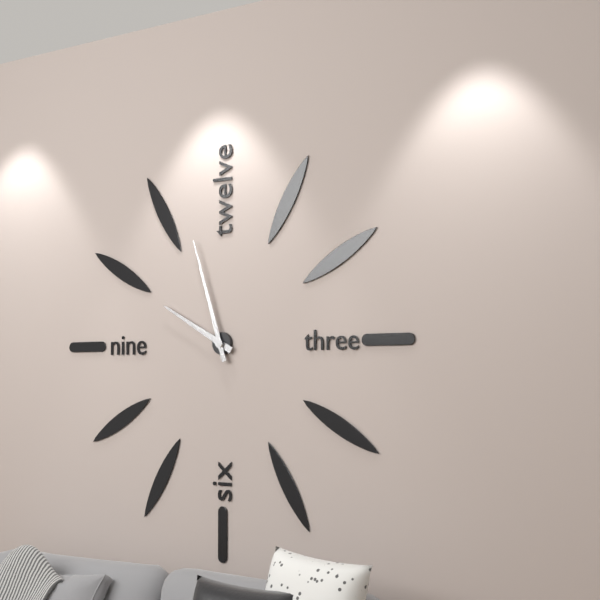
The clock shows 9:57
